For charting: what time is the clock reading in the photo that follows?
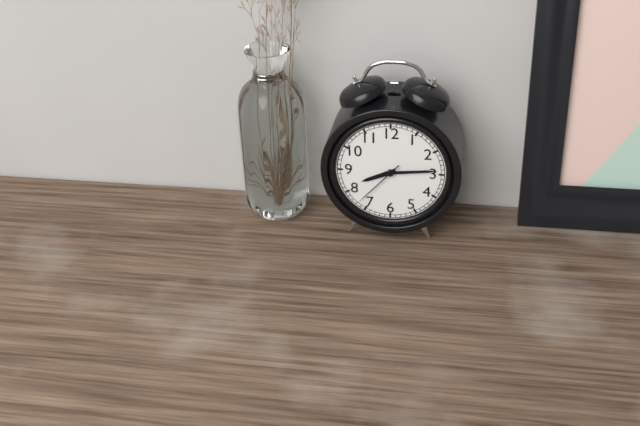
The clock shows 8:14:37
